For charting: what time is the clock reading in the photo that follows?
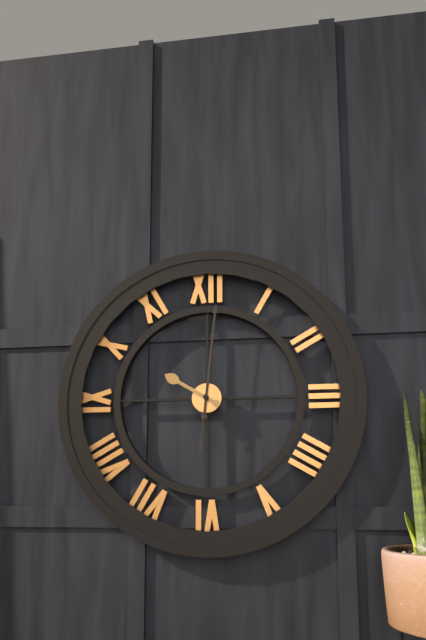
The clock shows 10:01:31
